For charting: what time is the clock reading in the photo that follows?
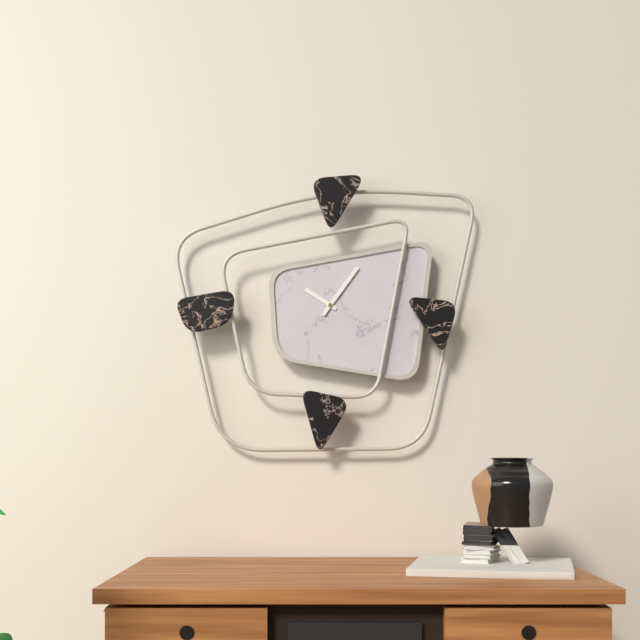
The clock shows 10:06
